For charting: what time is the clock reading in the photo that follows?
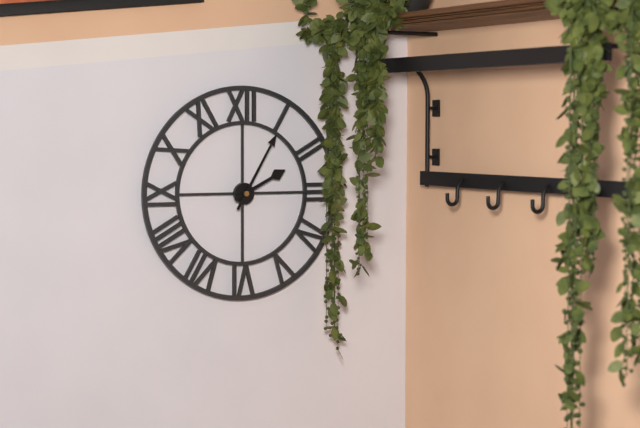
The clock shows 2:05
